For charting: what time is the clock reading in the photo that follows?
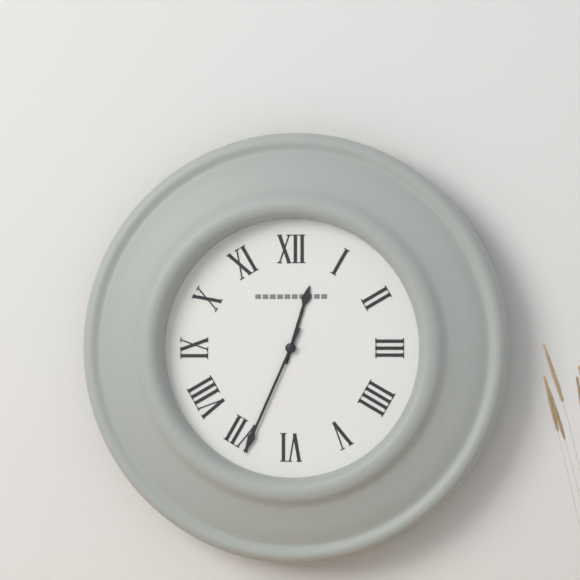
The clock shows 12:34
